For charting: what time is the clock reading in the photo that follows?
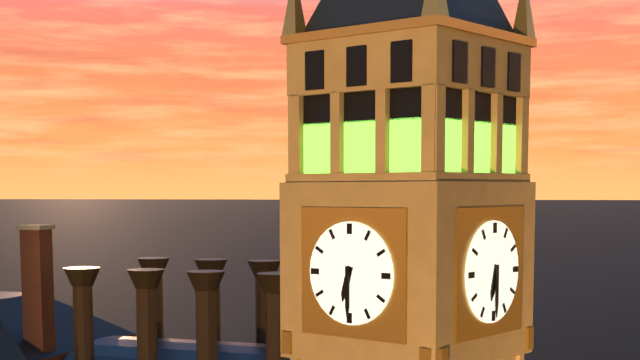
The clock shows 6:30
